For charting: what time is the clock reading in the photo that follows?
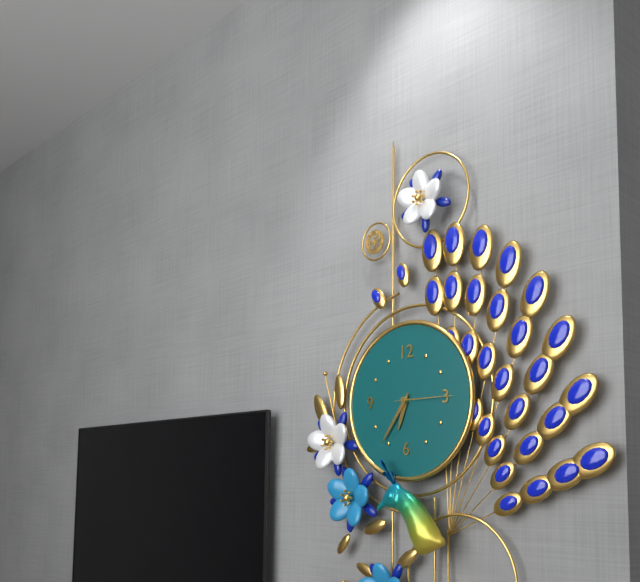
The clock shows 6:36:15
